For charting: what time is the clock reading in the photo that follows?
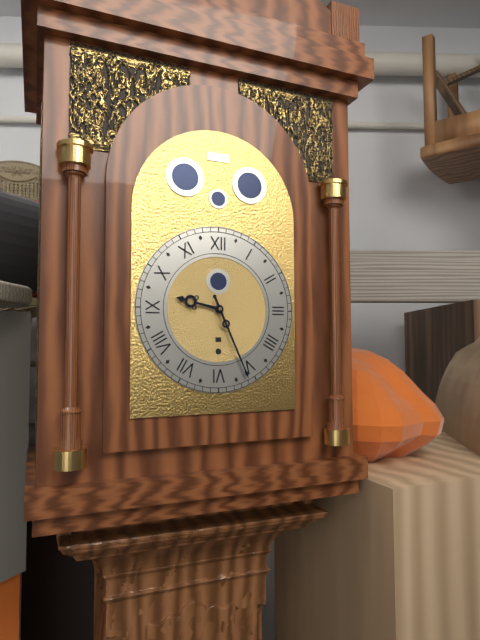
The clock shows 9:26
